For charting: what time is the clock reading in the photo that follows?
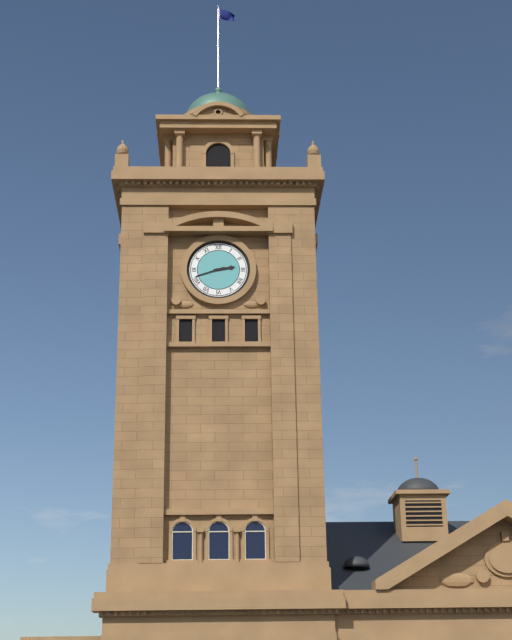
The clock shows 2:42
